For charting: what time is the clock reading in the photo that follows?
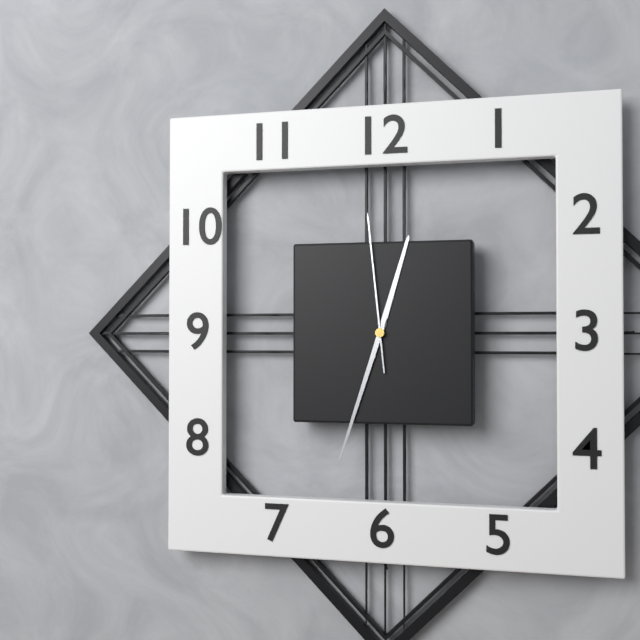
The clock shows 12:33:59
